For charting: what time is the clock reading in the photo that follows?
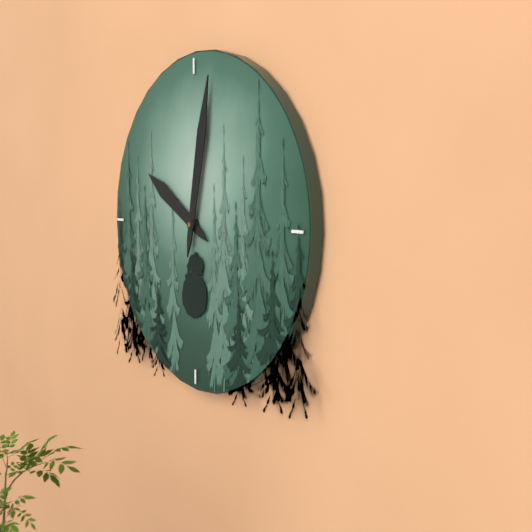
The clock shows 10:02
